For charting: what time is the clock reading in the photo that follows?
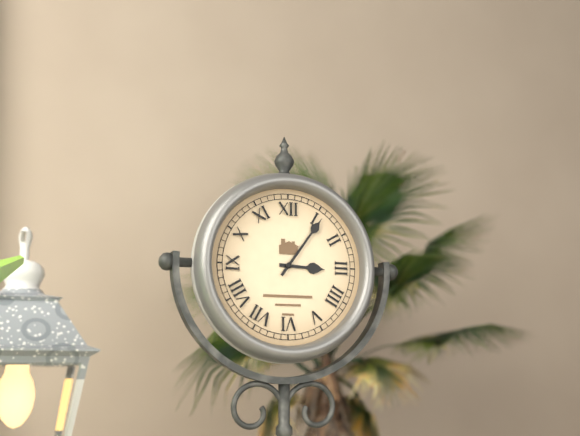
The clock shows 3:06
